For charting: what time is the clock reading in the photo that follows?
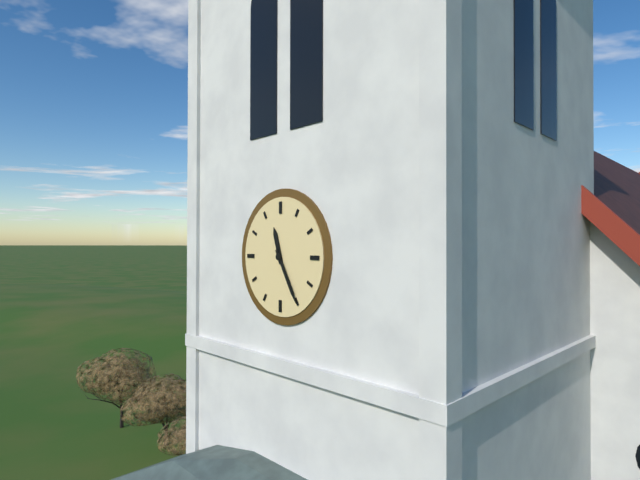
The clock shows 11:25
